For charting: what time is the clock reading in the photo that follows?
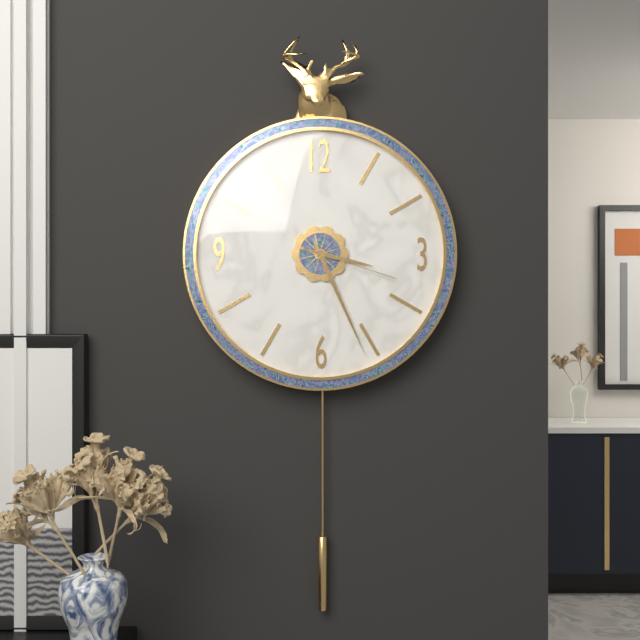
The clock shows 3:26:18
